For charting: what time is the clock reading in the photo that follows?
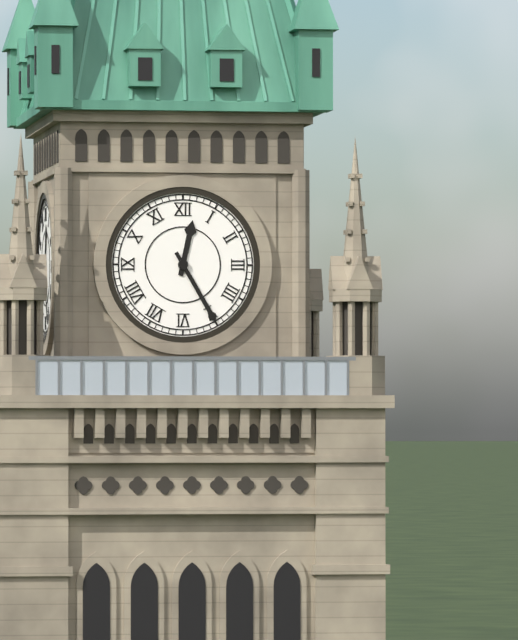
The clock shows 12:25
